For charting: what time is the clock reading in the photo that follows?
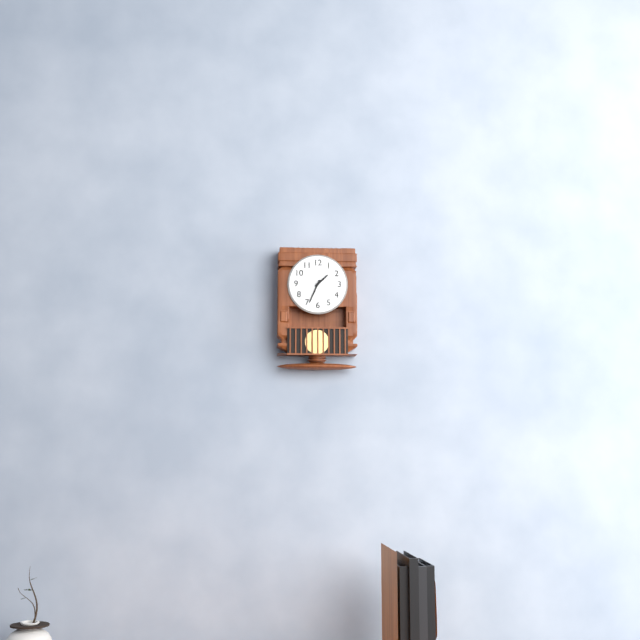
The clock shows 1:34
